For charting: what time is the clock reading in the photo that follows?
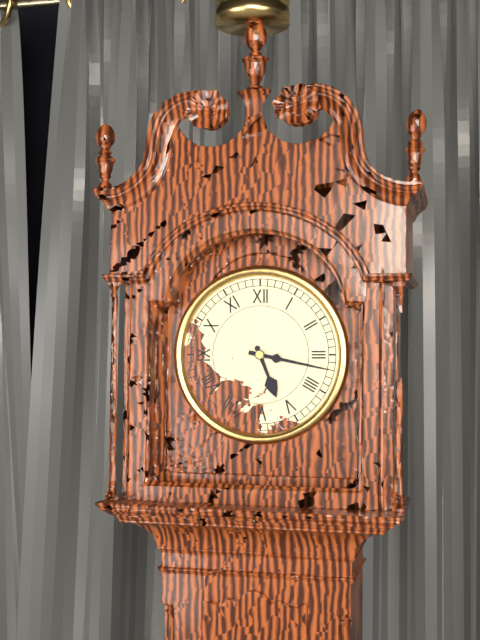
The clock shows 5:17
